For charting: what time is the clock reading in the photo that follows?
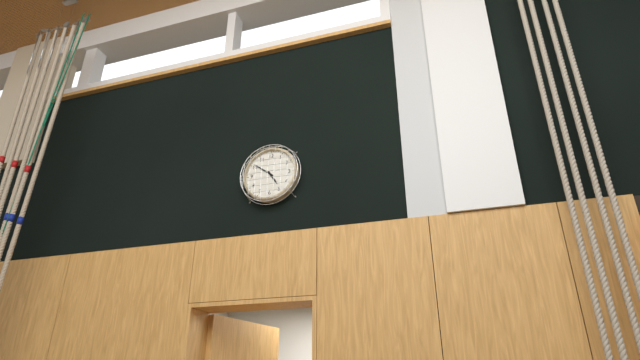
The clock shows 4:51
